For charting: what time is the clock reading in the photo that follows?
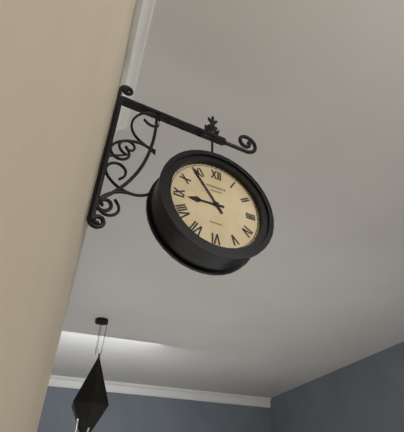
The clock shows 8:54
